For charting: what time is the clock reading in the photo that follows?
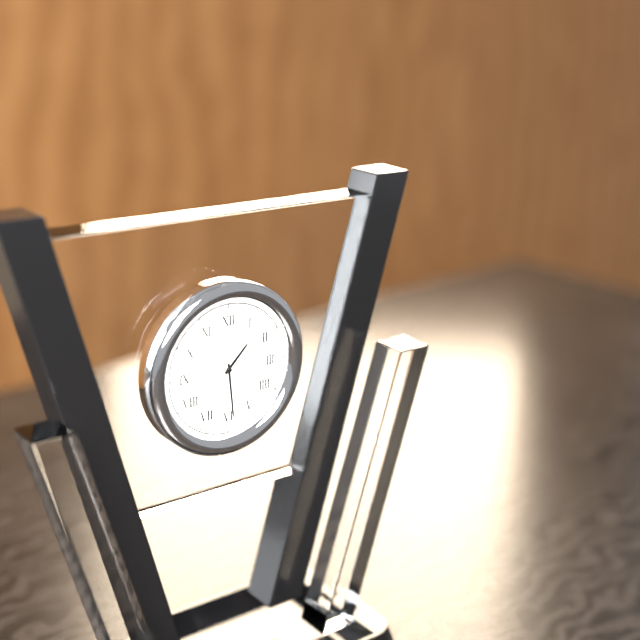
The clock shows 1:29:47
